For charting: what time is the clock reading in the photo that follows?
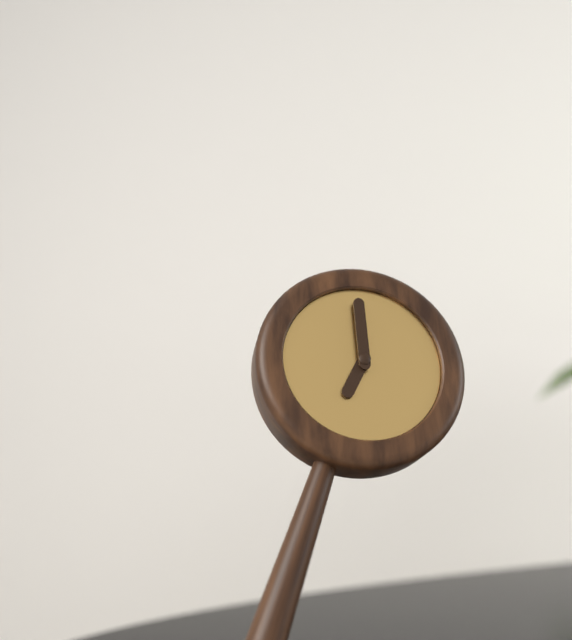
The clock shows 7:00
